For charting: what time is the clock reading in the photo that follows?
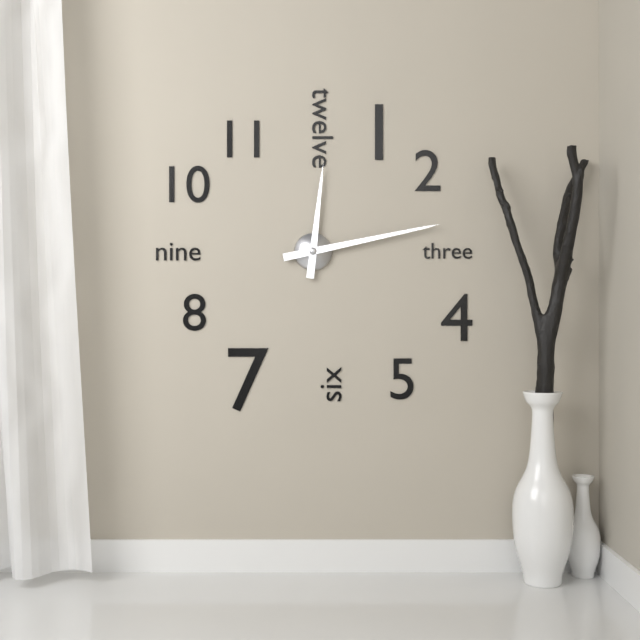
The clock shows 12:13
